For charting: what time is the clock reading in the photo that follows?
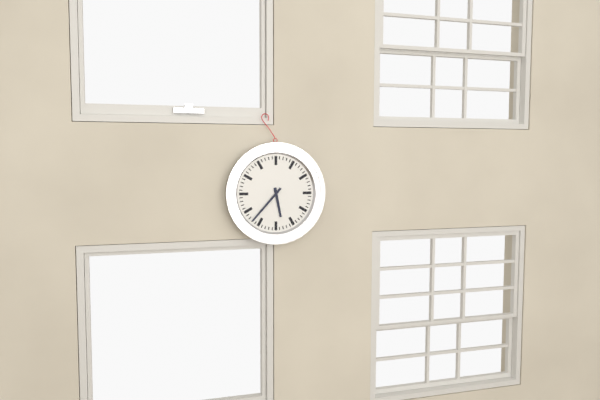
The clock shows 5:37
